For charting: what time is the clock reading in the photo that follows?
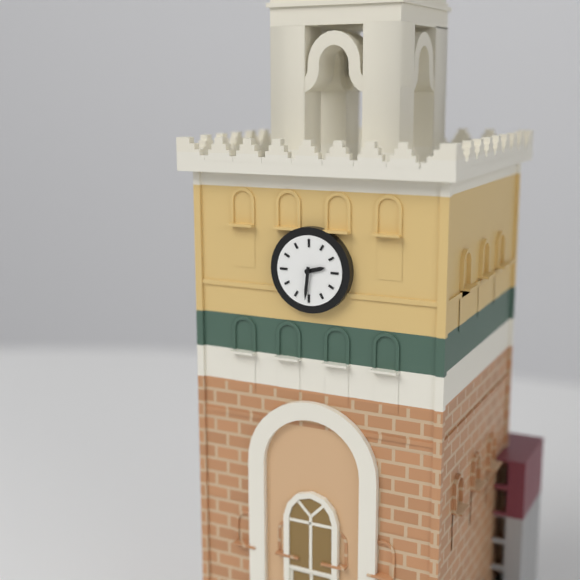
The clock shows 2:31
